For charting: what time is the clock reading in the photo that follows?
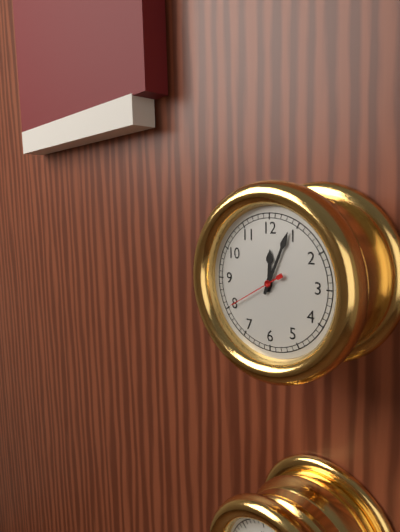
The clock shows 12:04:40
